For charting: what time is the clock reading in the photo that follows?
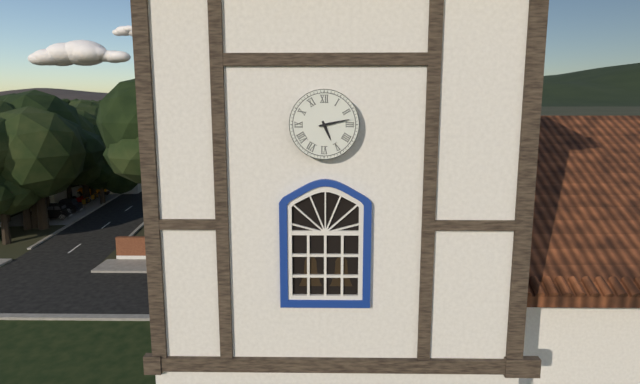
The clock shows 5:13
